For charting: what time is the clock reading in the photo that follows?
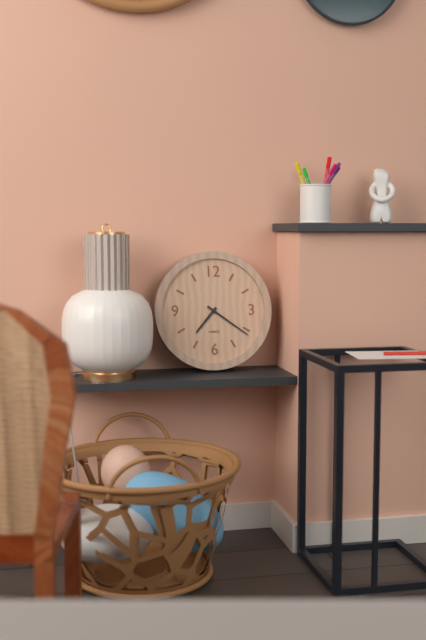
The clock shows 7:21
